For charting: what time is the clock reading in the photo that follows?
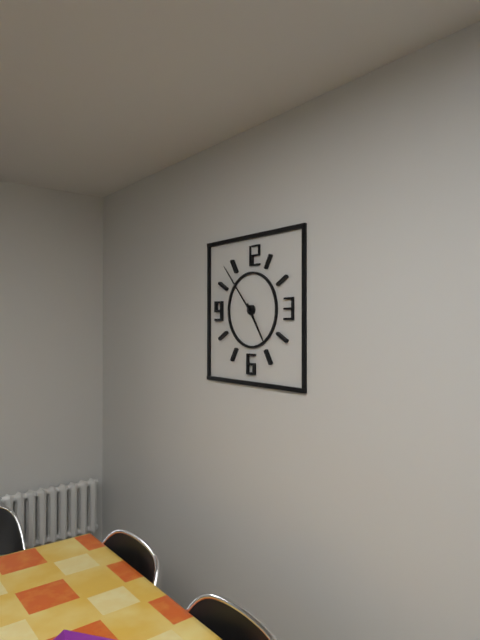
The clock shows 4:53
